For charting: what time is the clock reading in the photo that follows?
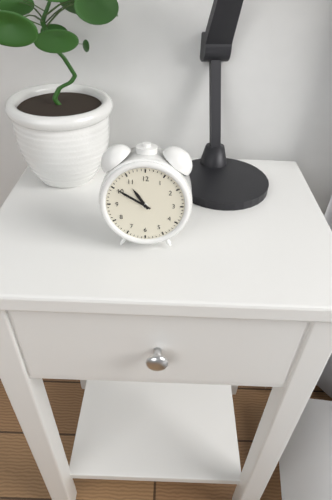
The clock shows 10:50
